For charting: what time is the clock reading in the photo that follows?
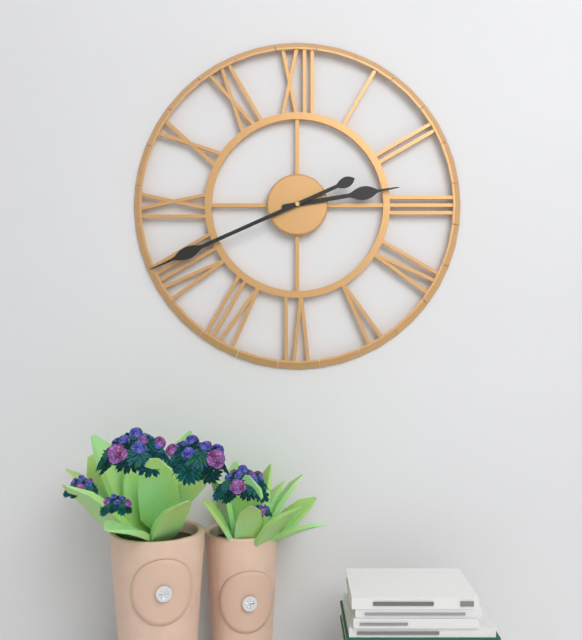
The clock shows 2:41
